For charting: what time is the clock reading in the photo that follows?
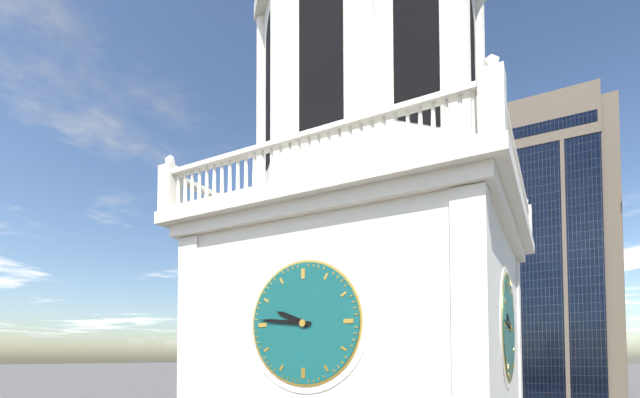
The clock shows 9:46
